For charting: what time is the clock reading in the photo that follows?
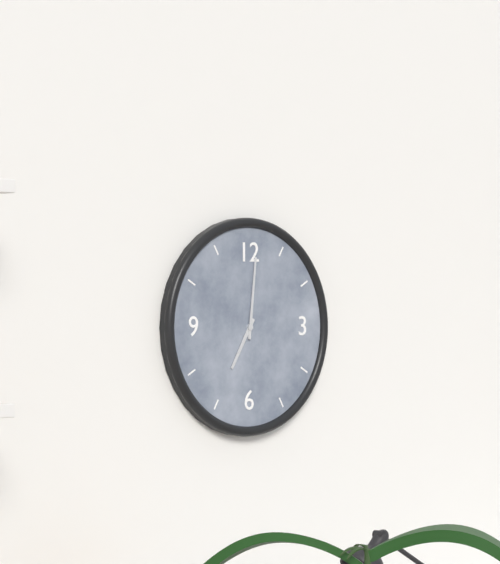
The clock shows 7:01
